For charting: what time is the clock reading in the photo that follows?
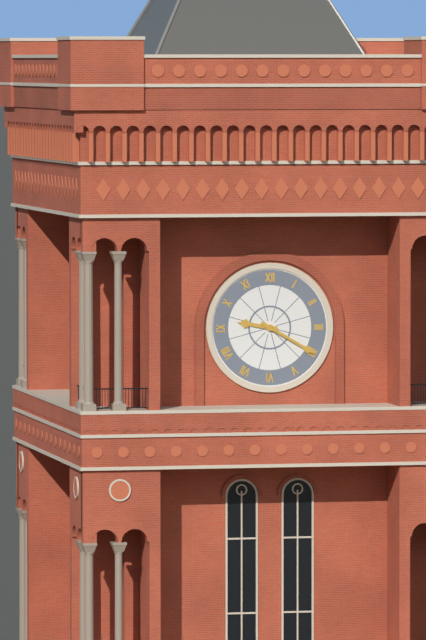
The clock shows 9:20
